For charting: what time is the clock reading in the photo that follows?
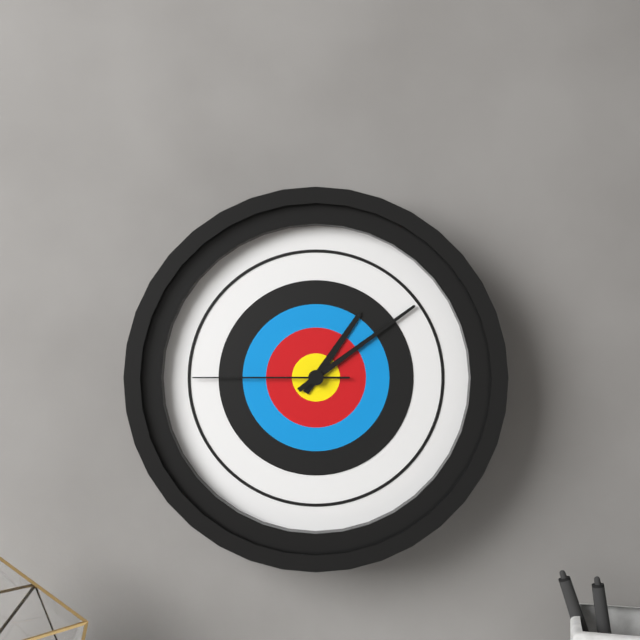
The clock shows 1:09:45
